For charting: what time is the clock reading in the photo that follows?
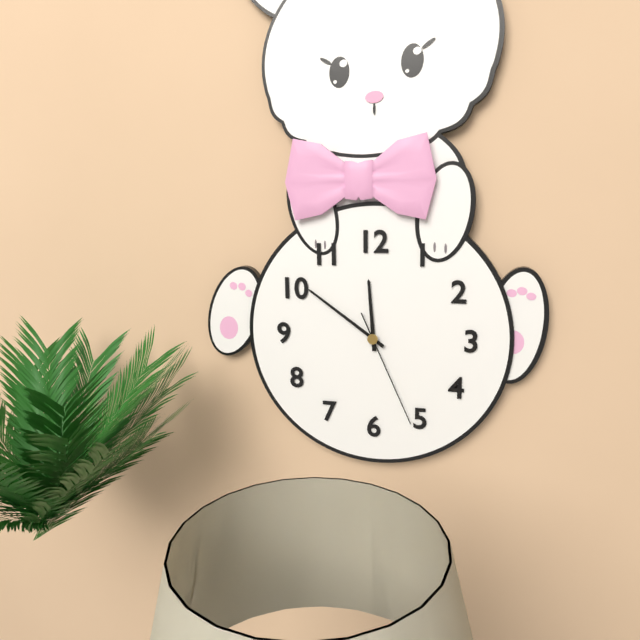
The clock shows 11:51:26
